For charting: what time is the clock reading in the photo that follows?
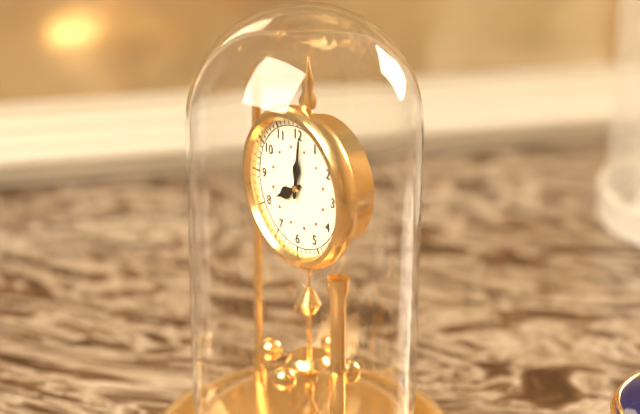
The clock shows 8:01
